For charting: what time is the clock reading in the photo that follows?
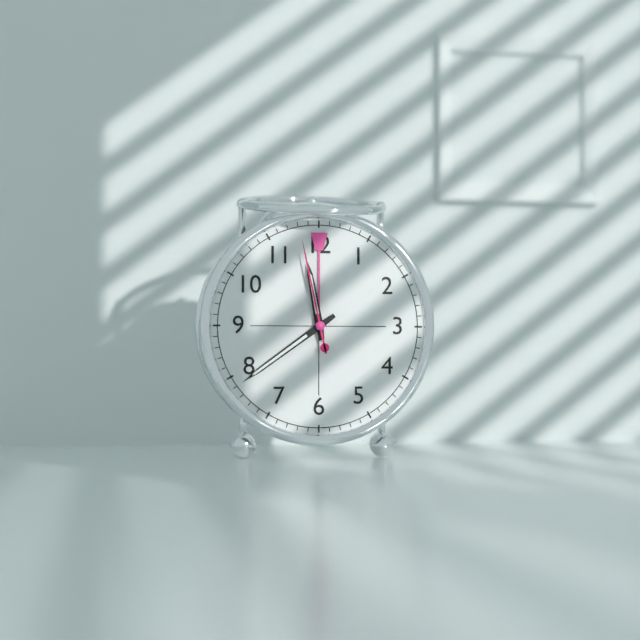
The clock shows 11:39:58
